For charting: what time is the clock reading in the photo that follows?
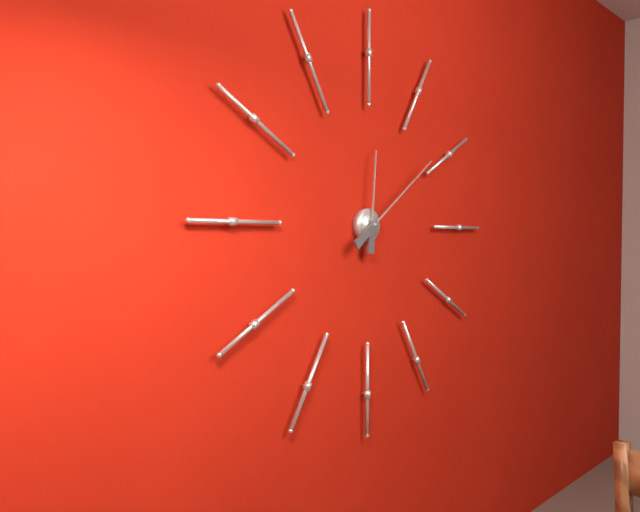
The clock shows 12:09
